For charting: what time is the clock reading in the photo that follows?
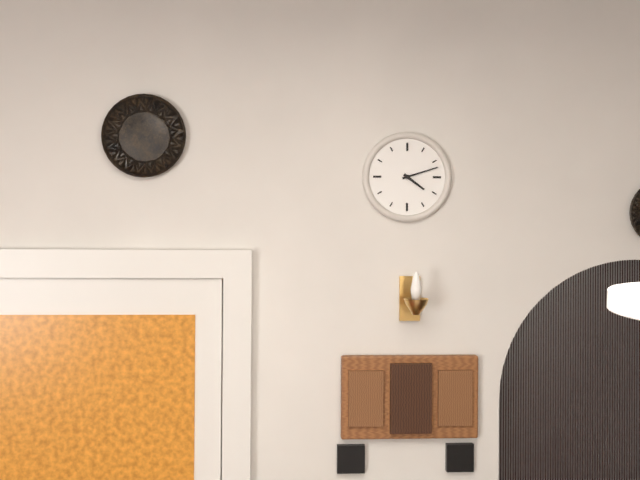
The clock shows 4:12
